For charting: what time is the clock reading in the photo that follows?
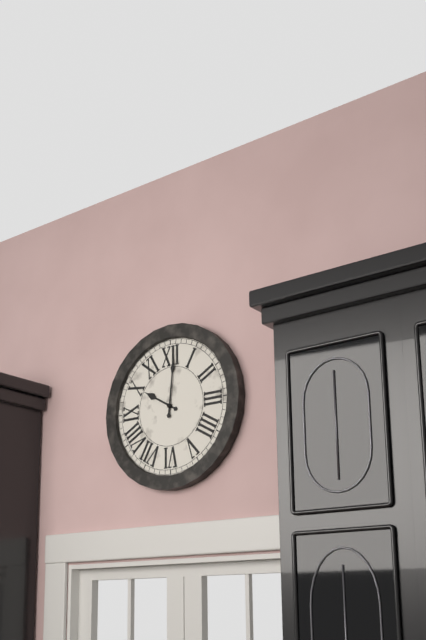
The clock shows 10:01
